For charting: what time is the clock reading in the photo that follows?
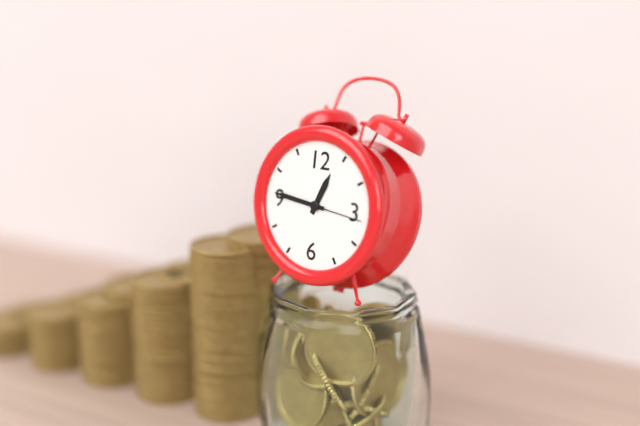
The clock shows 12:46:16
